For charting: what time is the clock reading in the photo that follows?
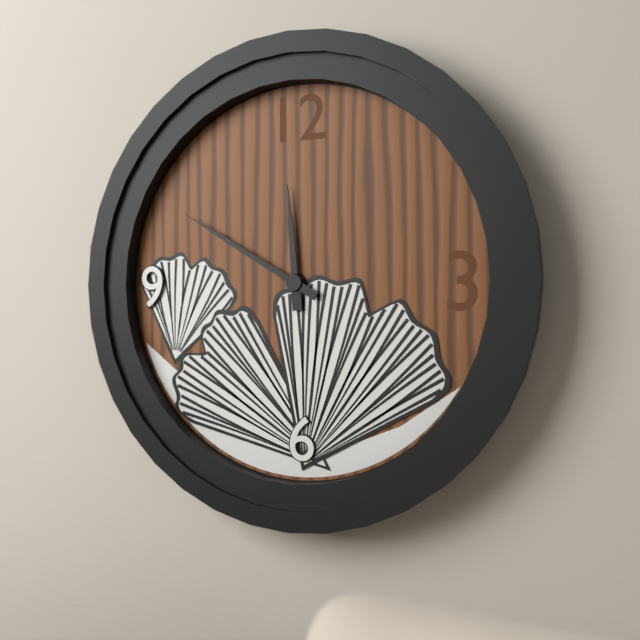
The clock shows 11:50
